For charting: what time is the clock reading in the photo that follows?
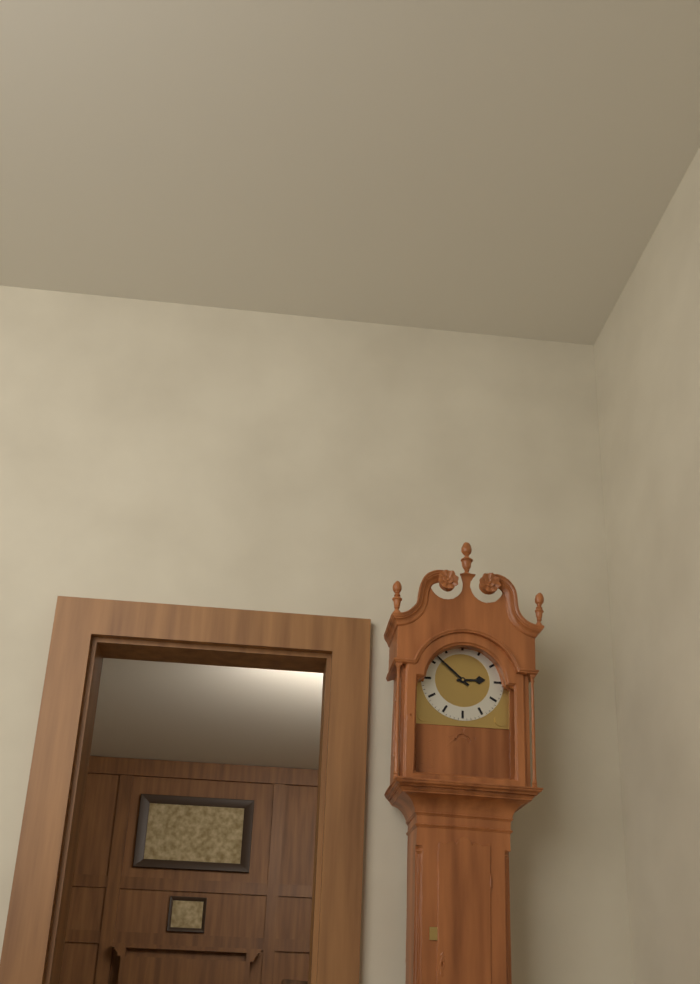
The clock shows 2:52
